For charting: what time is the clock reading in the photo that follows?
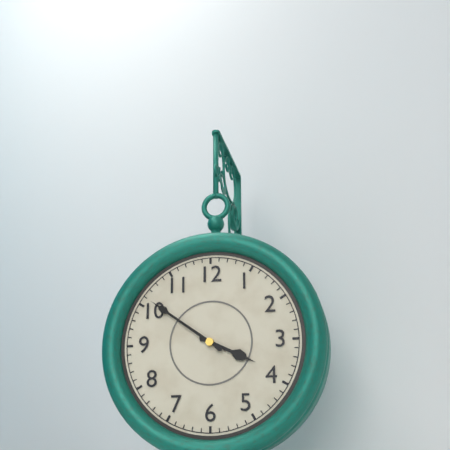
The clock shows 3:51
